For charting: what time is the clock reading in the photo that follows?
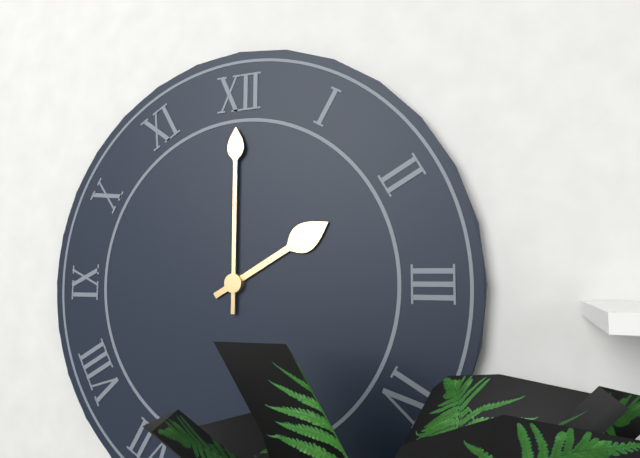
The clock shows 2:00
